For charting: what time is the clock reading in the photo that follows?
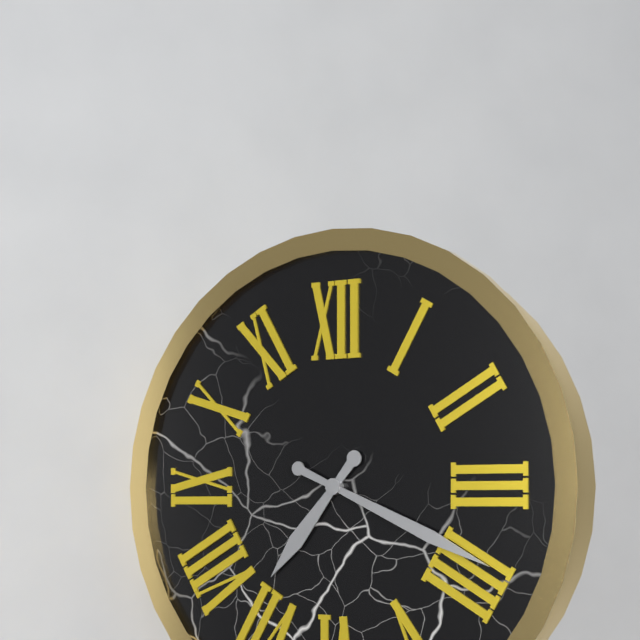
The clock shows 7:19
